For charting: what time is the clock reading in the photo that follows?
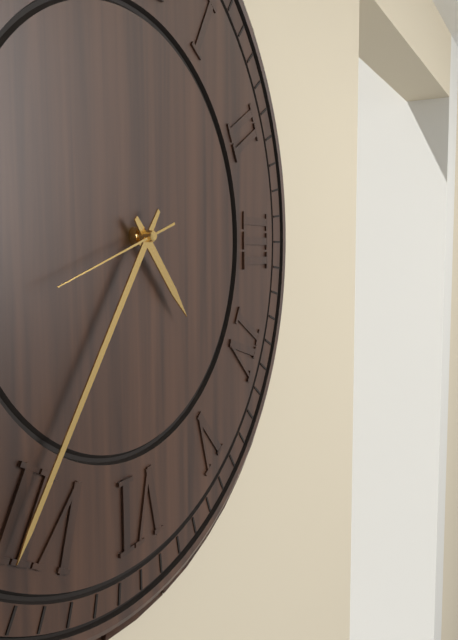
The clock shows 4:36:42
